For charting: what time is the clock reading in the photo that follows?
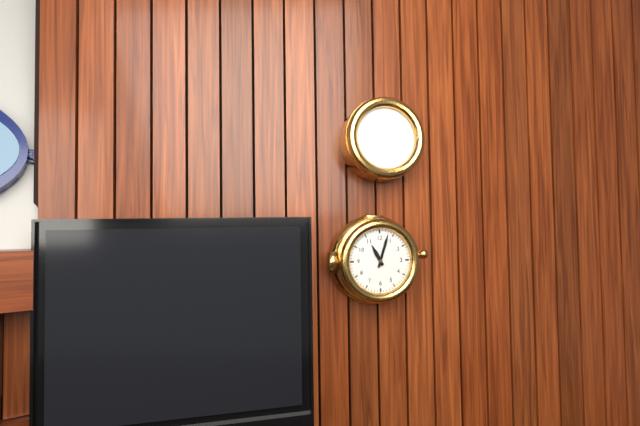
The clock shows 11:03
